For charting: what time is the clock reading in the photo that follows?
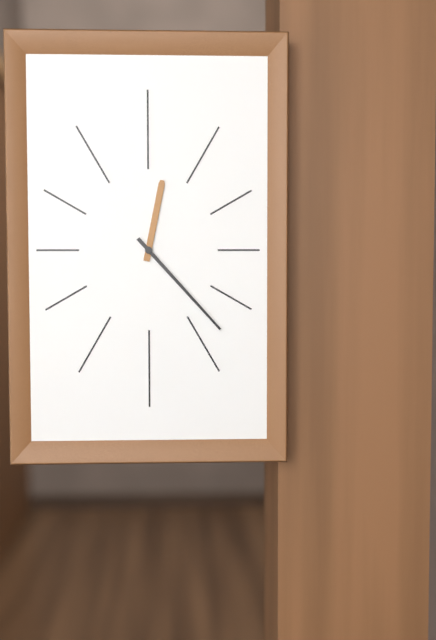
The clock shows 12:23
